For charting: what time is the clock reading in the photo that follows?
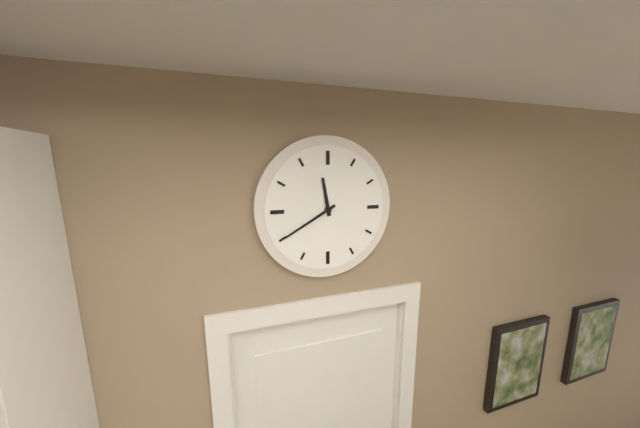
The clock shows 11:40
